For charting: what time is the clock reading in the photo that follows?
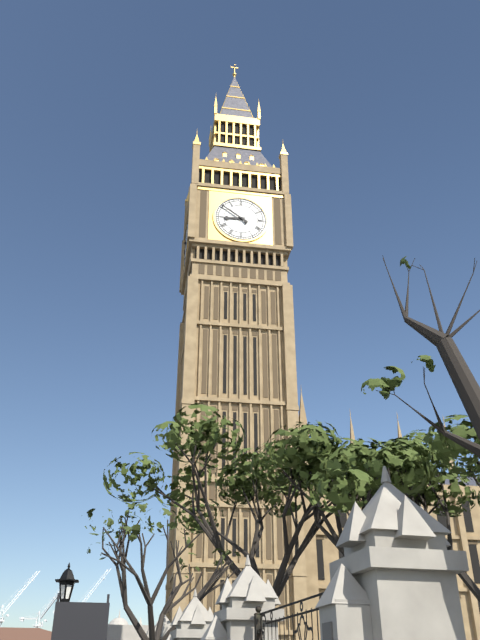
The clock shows 8:51
